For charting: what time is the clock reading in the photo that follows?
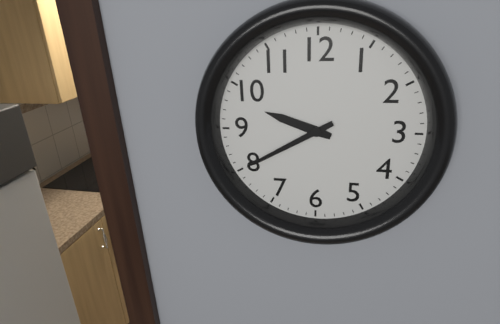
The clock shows 9:40
